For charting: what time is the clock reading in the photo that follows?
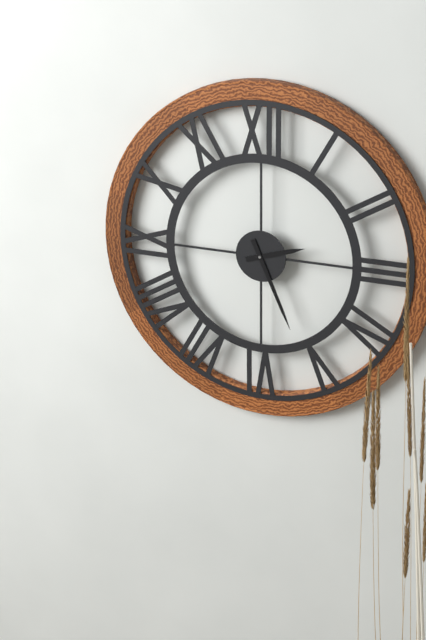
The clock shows 2:26
